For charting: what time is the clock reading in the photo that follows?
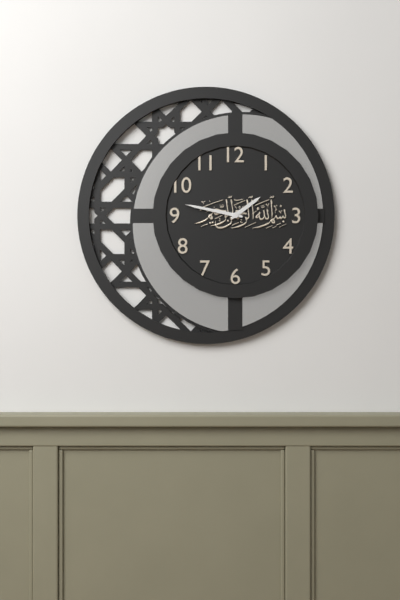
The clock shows 1:47
